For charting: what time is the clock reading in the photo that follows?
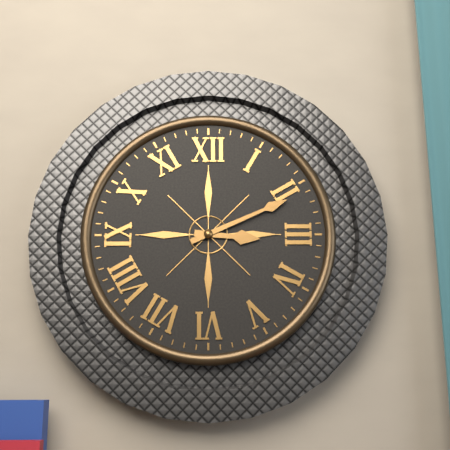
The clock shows 3:11
